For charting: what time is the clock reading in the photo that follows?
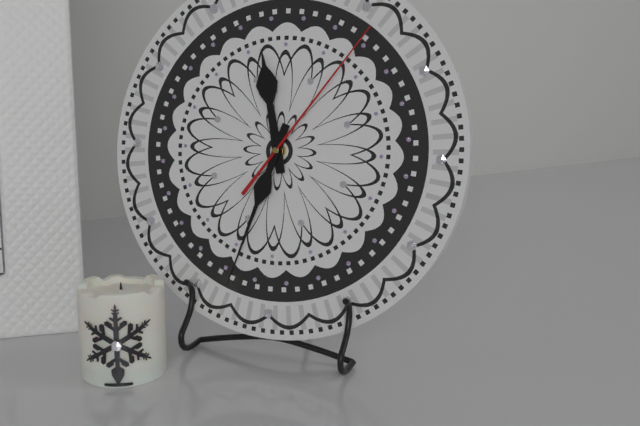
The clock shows 11:33:06
